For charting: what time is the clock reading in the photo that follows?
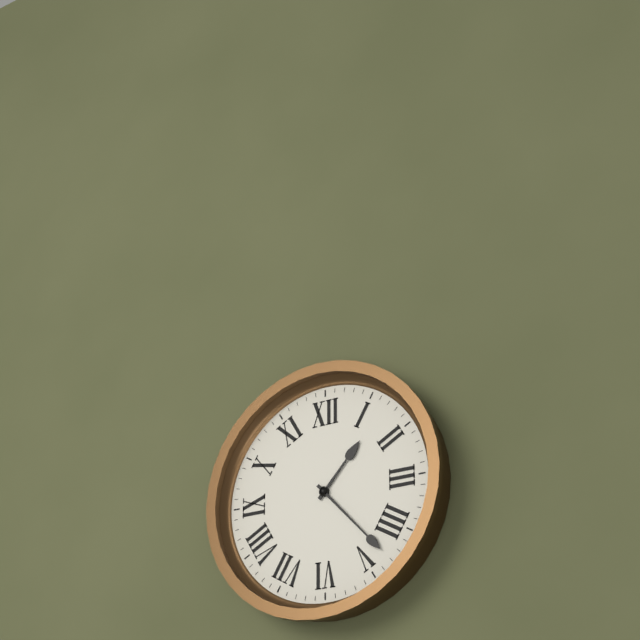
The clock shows 1:23
